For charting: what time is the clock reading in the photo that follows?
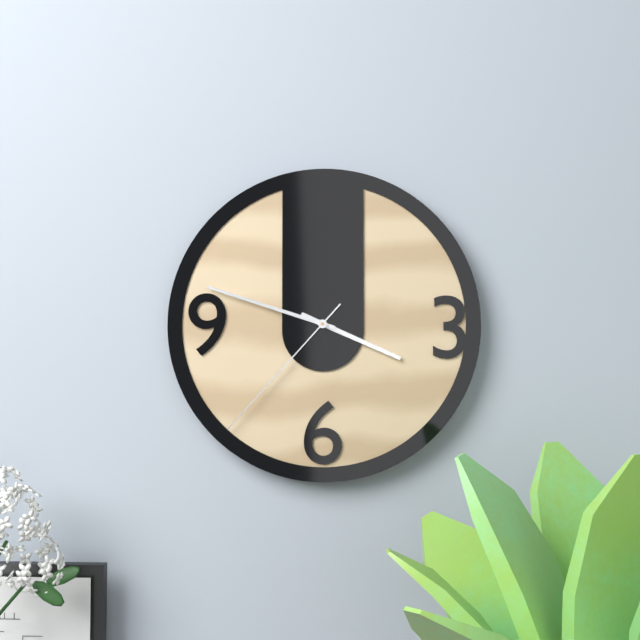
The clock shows 3:48:37
